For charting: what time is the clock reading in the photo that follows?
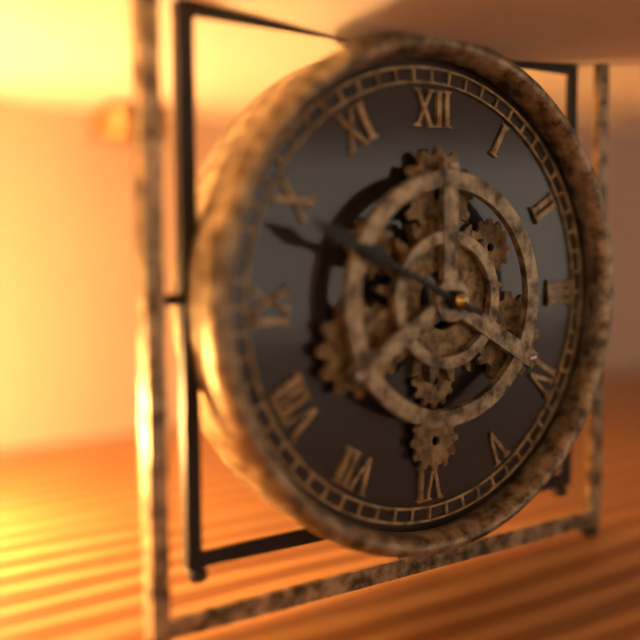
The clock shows 9:49
